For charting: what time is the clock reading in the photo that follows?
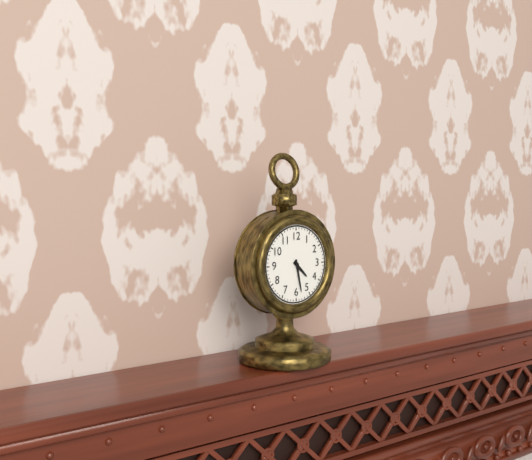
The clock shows 4:28
